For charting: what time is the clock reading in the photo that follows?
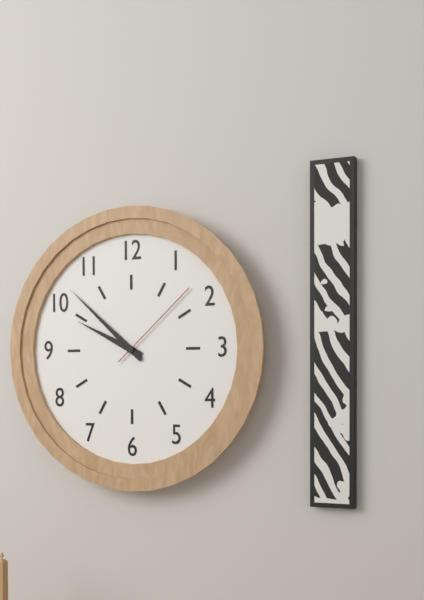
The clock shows 9:52:08
